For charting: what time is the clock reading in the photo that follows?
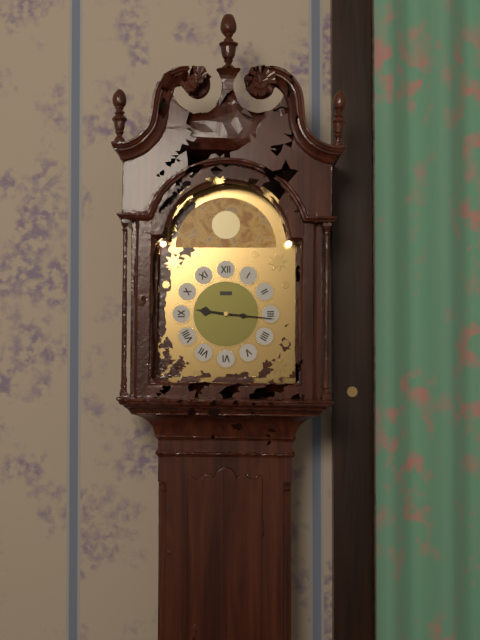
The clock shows 9:16
